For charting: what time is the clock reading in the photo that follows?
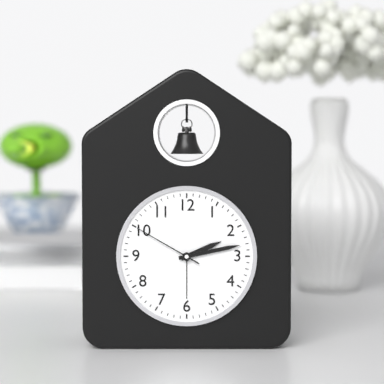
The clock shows 2:13:50
